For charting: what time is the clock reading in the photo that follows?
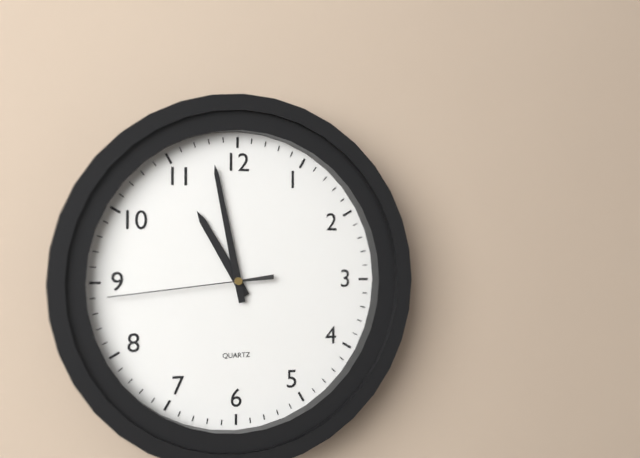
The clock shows 10:58:44
